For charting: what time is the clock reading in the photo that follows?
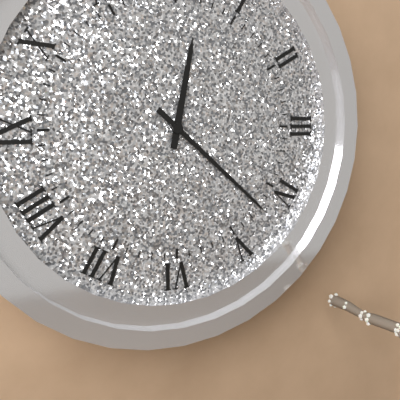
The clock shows 12:22
